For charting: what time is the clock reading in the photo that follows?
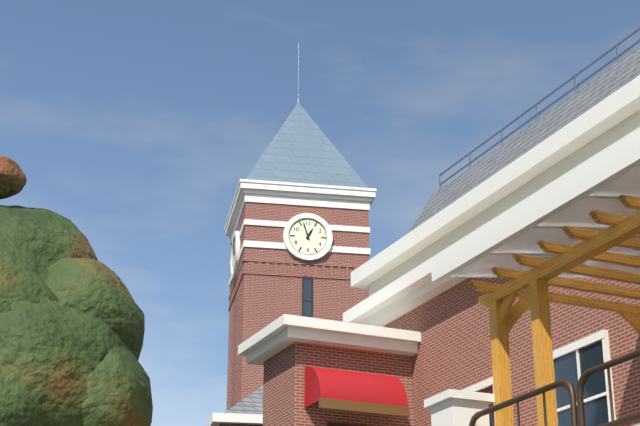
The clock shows 12:57
